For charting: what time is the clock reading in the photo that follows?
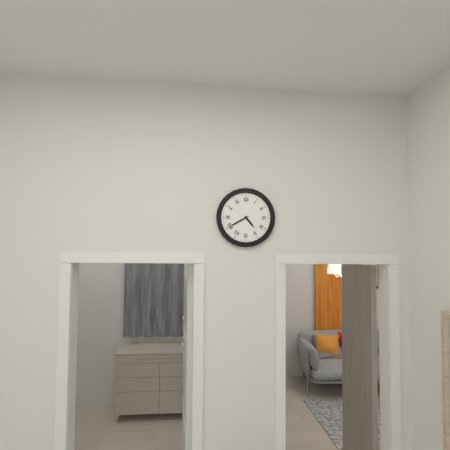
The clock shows 4:40
